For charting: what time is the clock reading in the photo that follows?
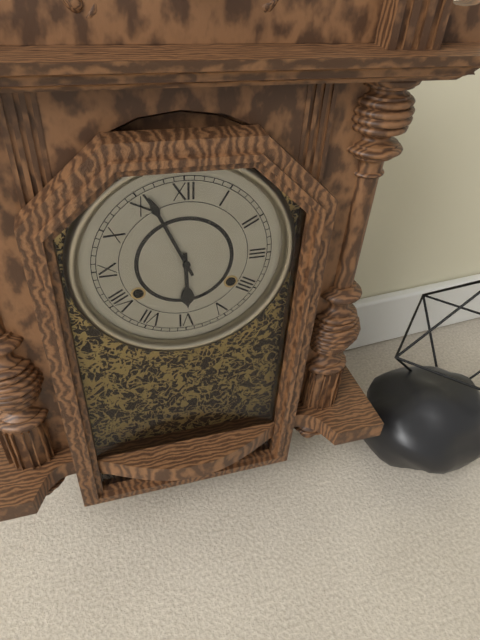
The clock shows 5:56
